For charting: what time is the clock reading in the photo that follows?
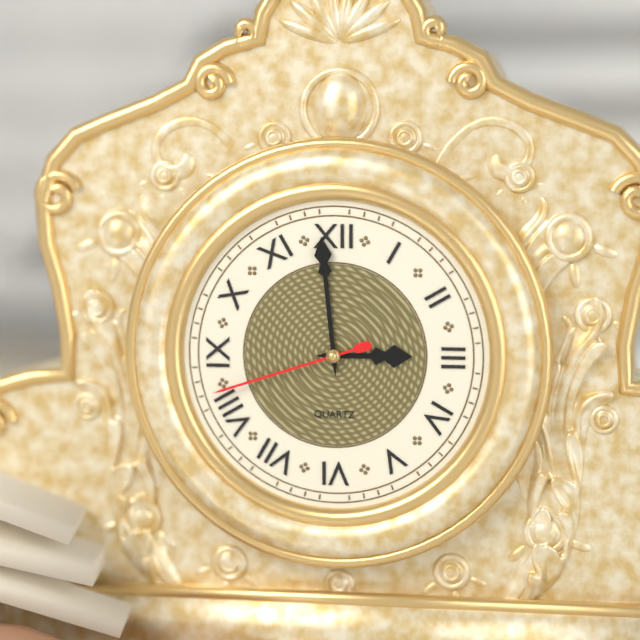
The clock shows 2:59:42
